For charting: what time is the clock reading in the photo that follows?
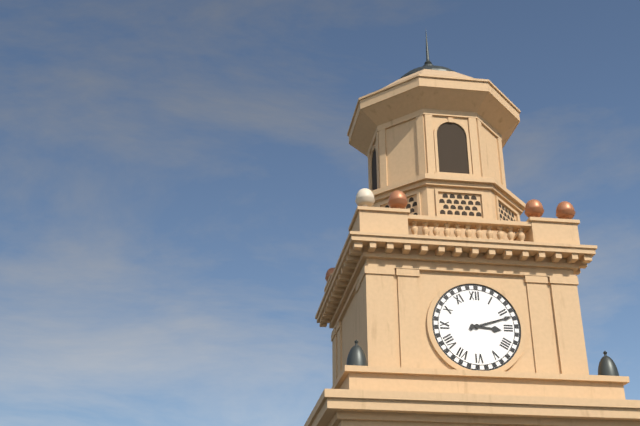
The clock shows 3:12
